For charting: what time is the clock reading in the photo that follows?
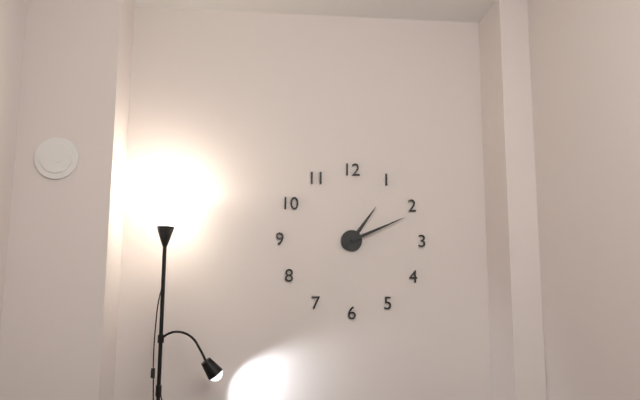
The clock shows 1:11
